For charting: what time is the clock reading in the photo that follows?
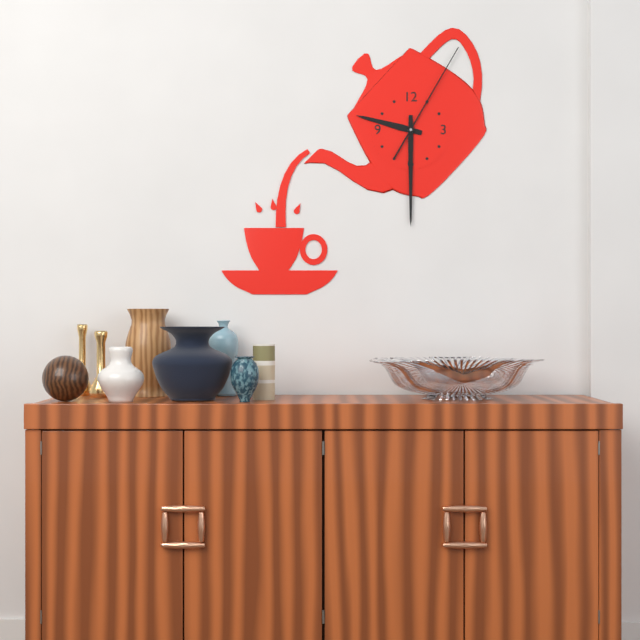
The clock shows 9:30:05
